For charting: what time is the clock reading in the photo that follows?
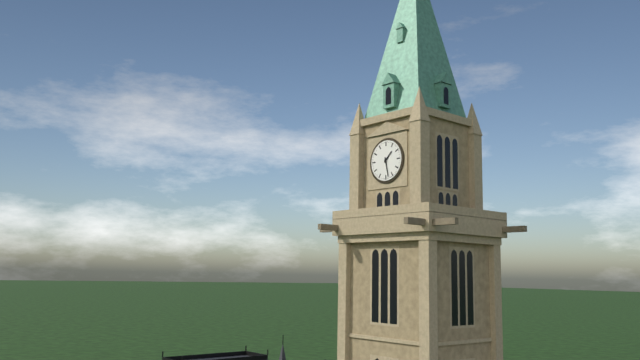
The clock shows 1:28
